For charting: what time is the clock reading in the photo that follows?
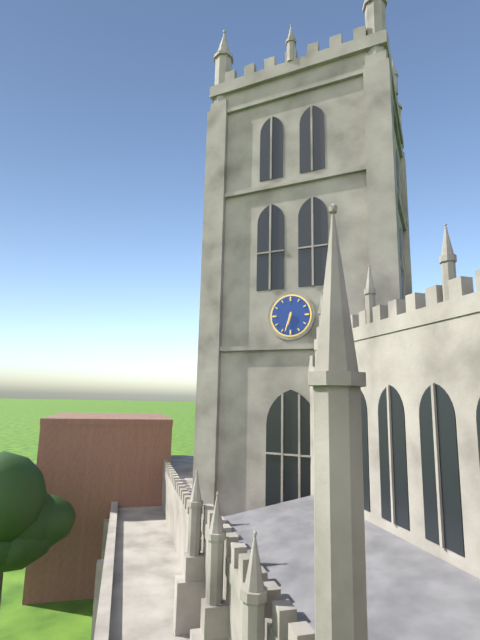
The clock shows 6:33
